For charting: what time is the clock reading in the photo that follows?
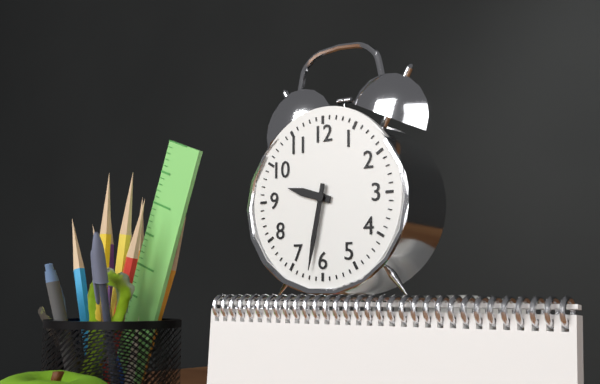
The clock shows 9:32
